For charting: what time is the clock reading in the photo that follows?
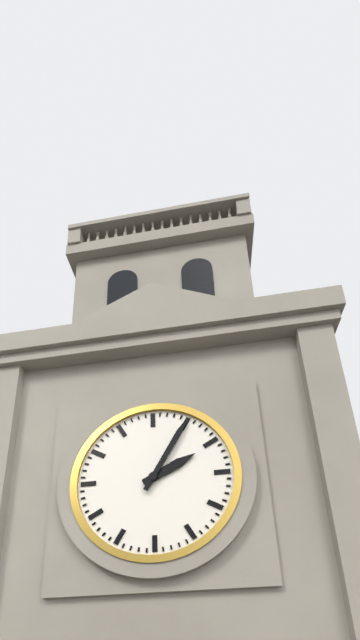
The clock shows 2:05
